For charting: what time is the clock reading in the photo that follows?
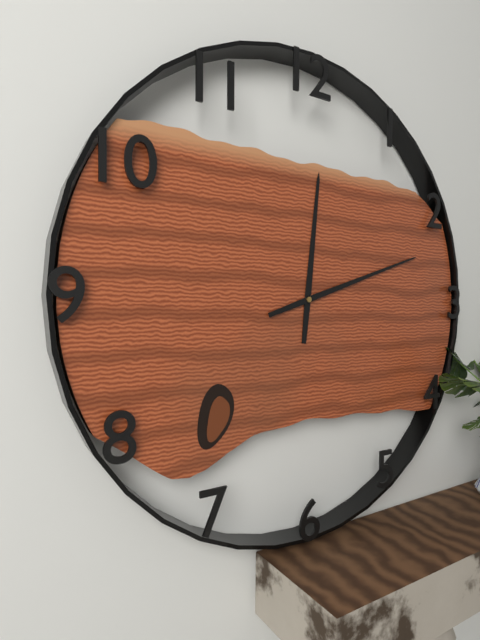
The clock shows 12:12
